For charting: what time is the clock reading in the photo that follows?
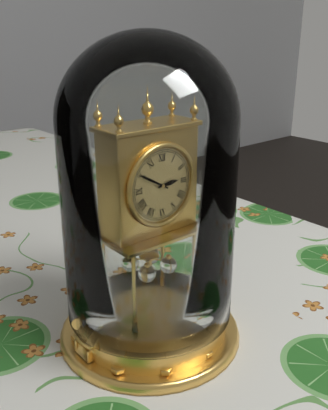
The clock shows 2:50
